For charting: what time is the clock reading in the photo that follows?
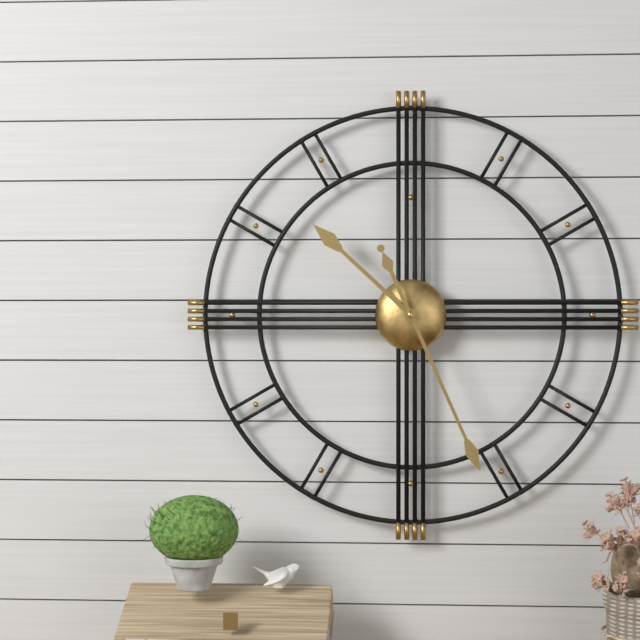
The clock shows 10:26
